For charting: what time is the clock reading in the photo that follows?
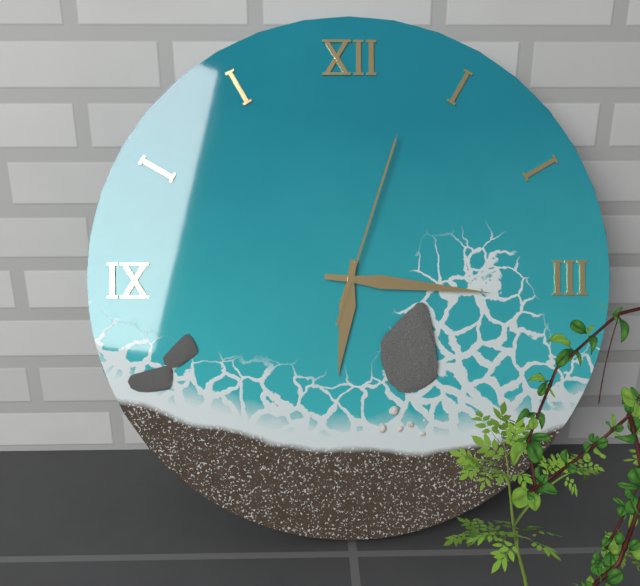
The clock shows 6:16:03
